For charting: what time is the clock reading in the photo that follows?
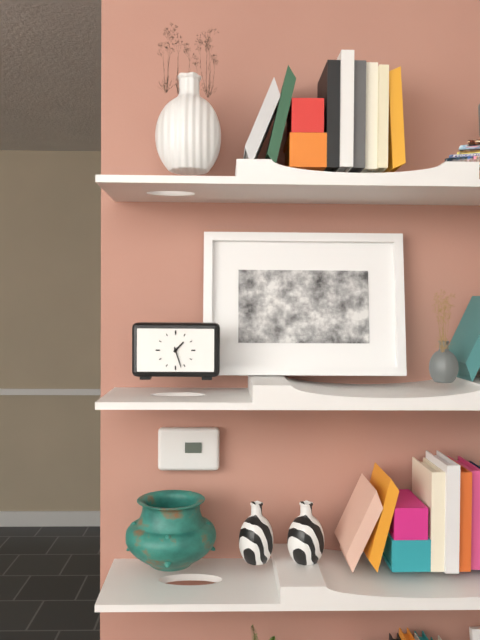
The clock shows 1:27
